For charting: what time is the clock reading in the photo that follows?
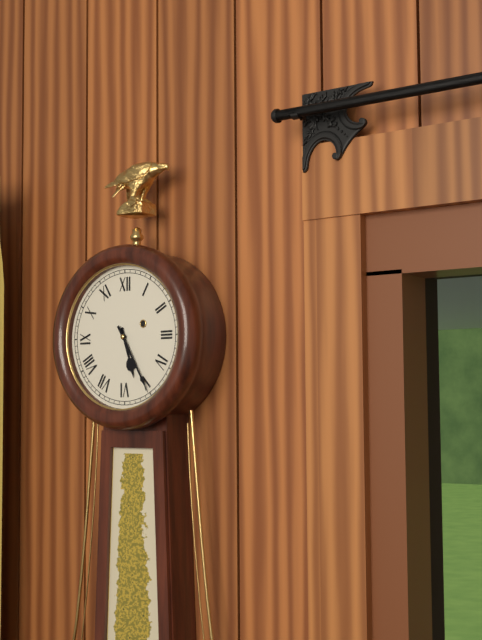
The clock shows 5:25
